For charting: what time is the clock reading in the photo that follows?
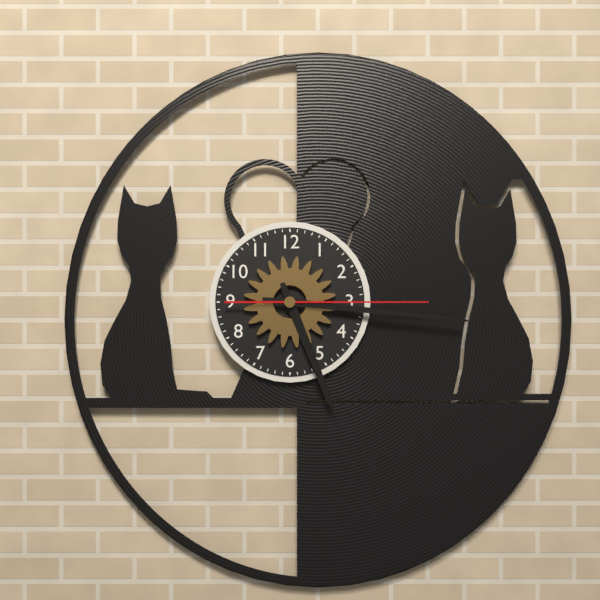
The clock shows 5:16:15
